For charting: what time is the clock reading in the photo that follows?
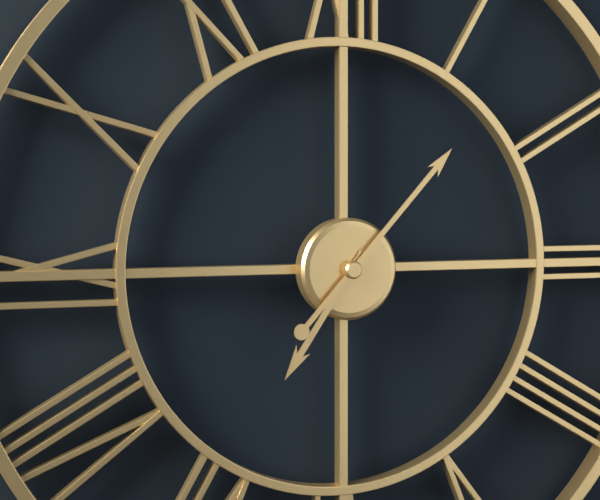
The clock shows 7:07
